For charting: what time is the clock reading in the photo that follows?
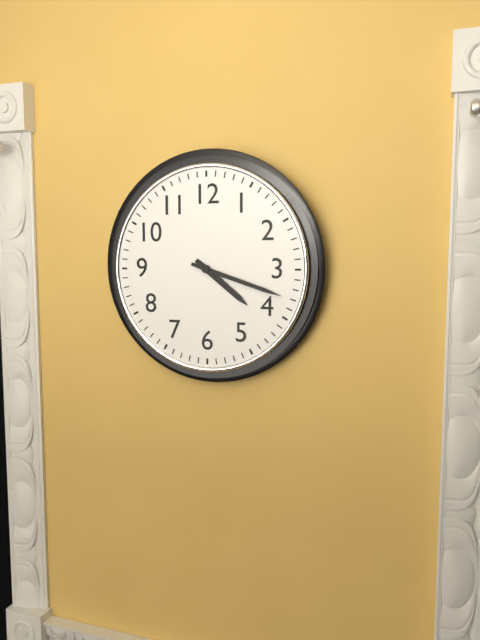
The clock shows 4:18
